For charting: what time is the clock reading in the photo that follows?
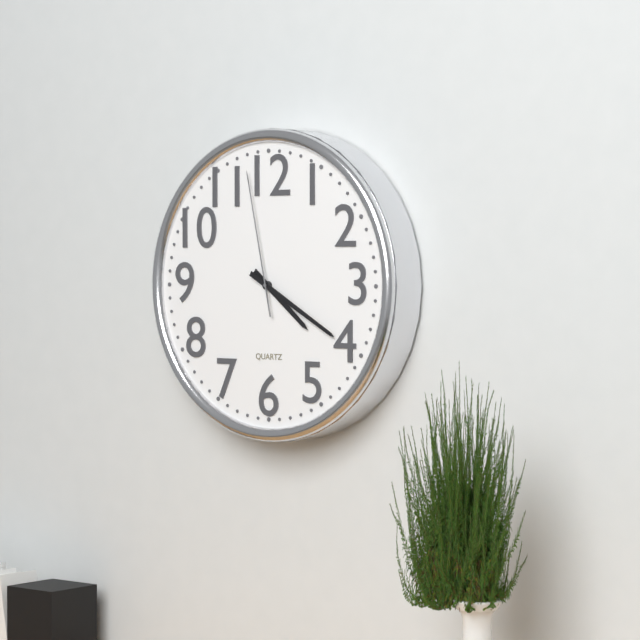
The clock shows 4:20:58
